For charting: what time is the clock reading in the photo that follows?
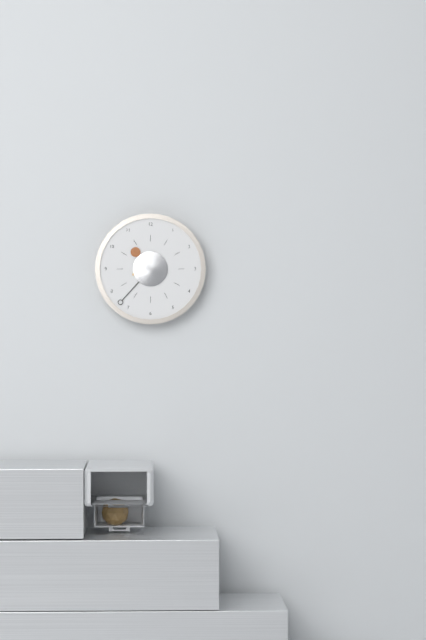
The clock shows 10:37
